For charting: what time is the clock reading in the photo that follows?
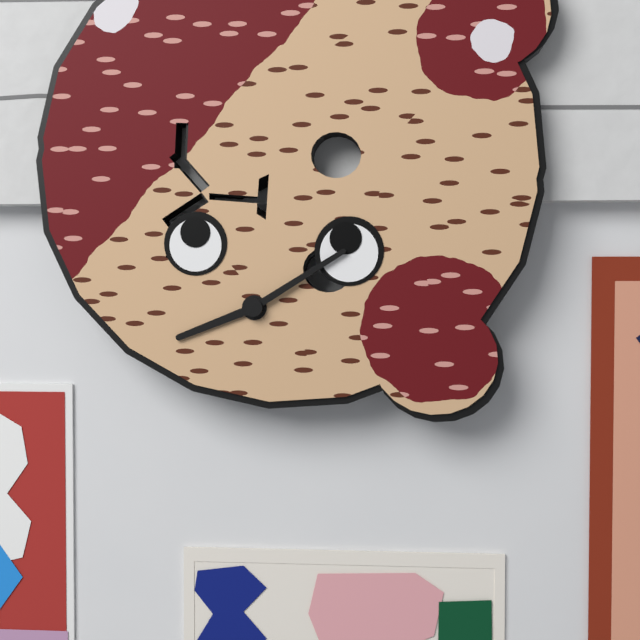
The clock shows 8:09
